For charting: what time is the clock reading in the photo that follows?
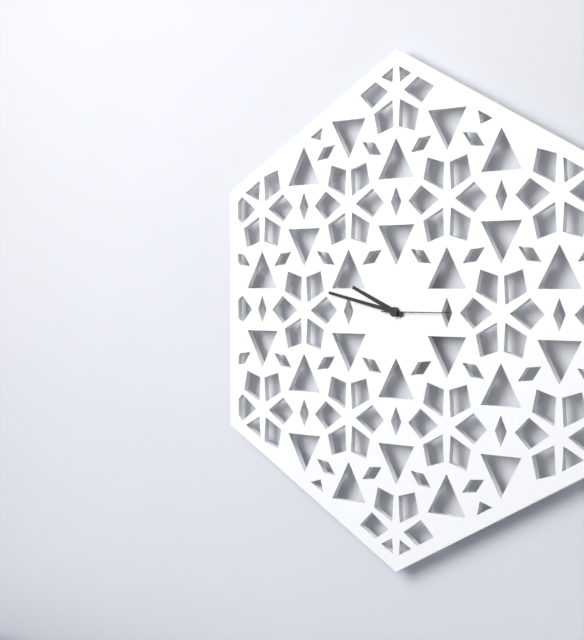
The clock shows 9:47:15
